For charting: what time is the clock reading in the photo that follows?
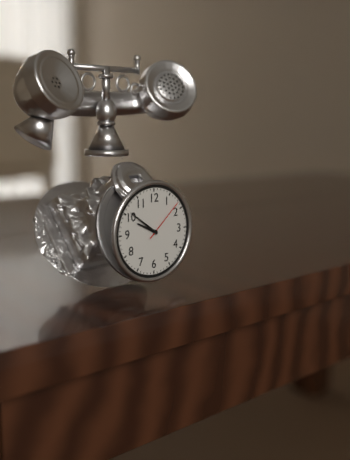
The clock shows 9:51
